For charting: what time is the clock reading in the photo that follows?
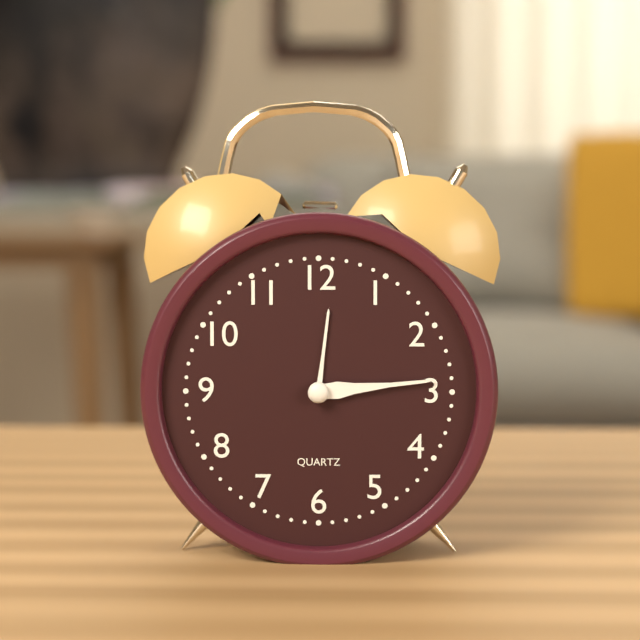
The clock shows 12:14
